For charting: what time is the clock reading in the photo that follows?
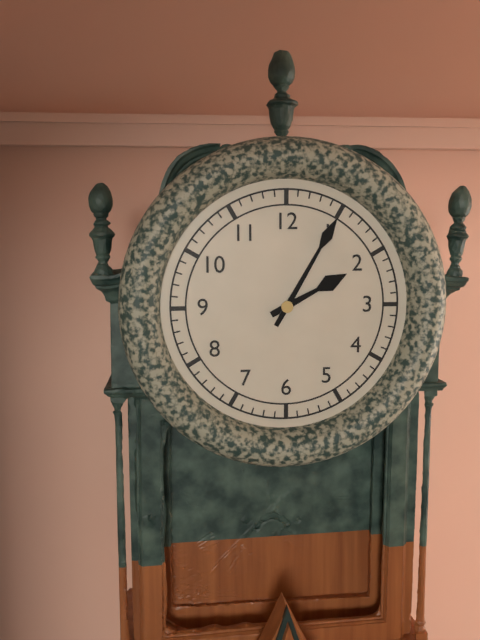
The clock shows 2:05
